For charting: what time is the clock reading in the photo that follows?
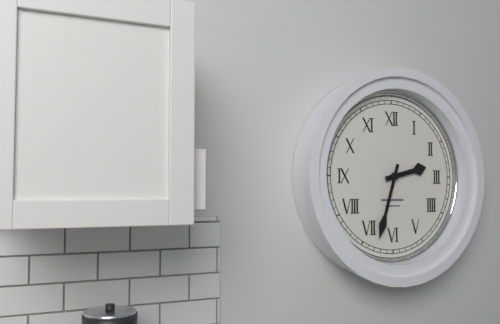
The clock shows 2:33
